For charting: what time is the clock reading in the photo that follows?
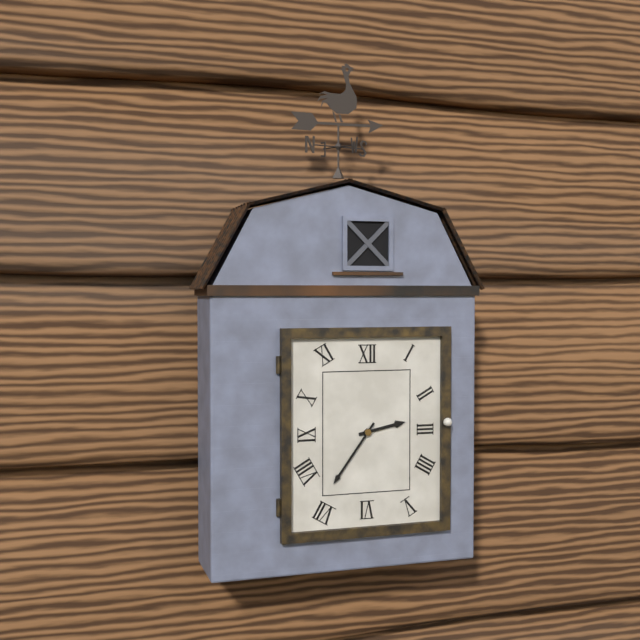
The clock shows 2:36
